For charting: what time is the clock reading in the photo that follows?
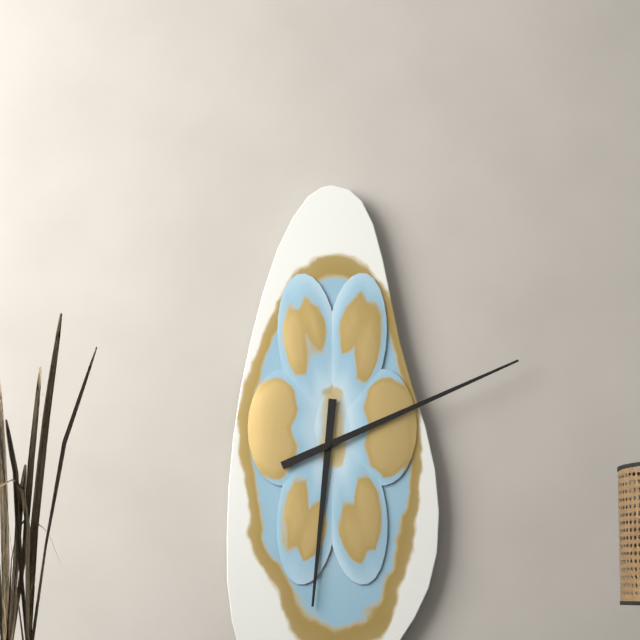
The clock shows 6:11
